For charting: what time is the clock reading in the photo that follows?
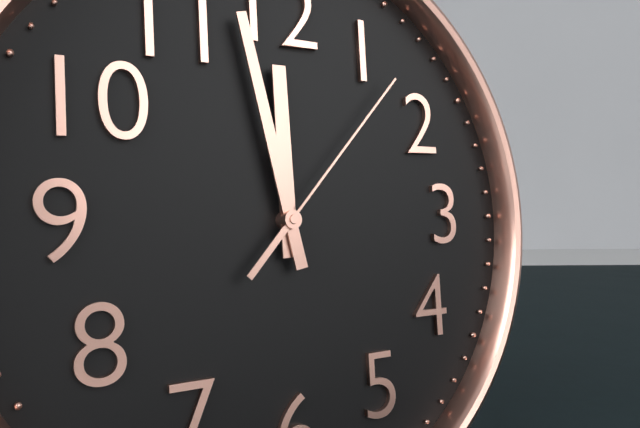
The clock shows 11:58:07
